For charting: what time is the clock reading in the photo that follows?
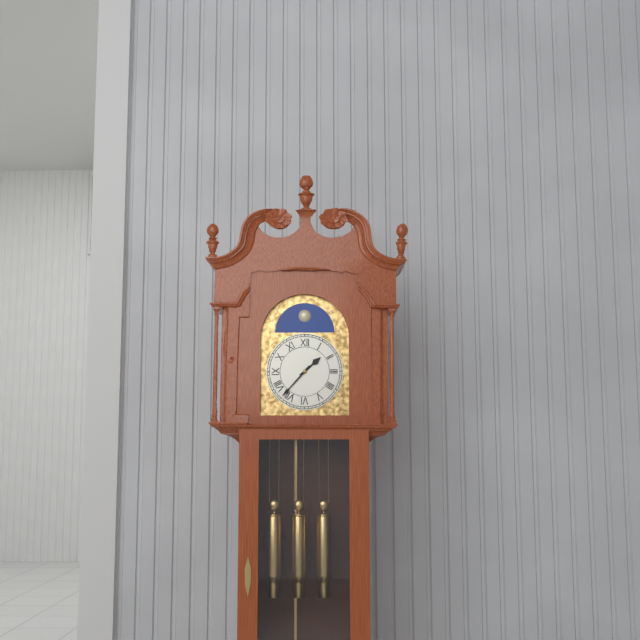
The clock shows 1:37
